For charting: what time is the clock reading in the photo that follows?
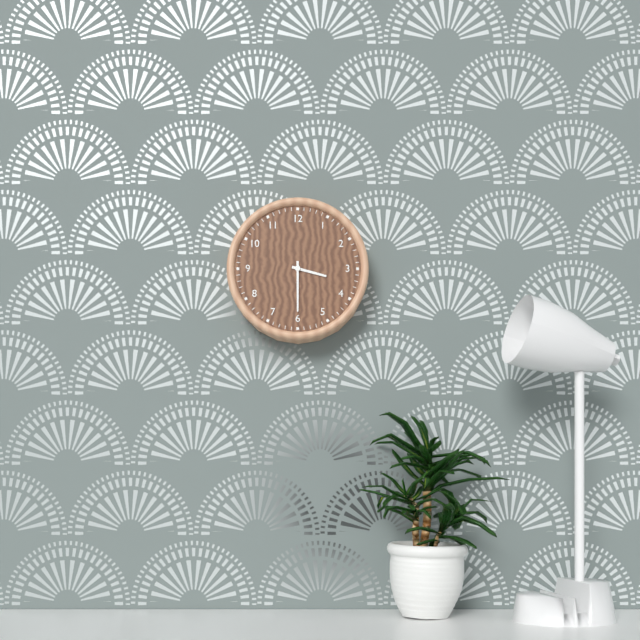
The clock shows 3:30
